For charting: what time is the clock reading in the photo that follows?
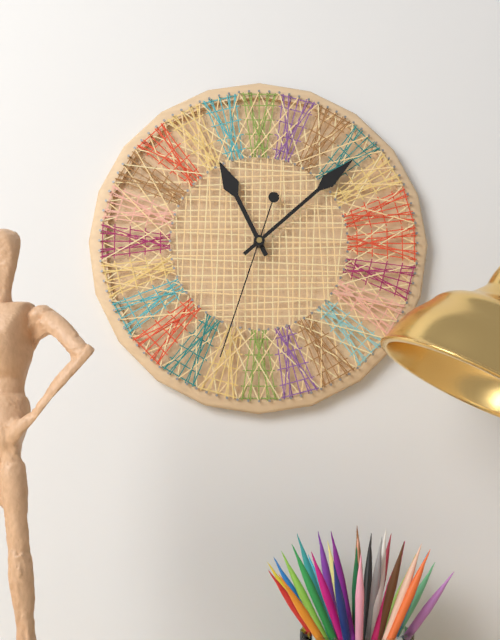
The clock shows 11:08:33
